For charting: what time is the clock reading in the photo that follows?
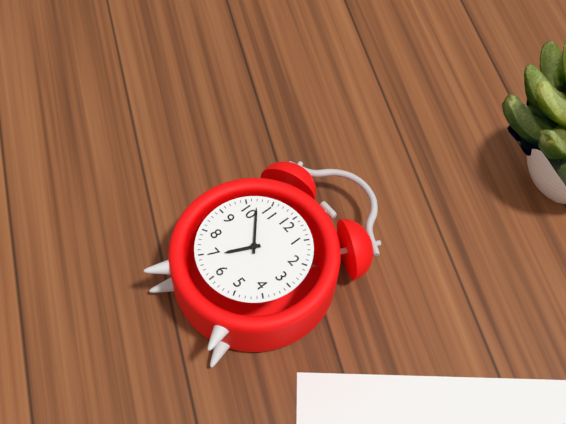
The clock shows 6:52
